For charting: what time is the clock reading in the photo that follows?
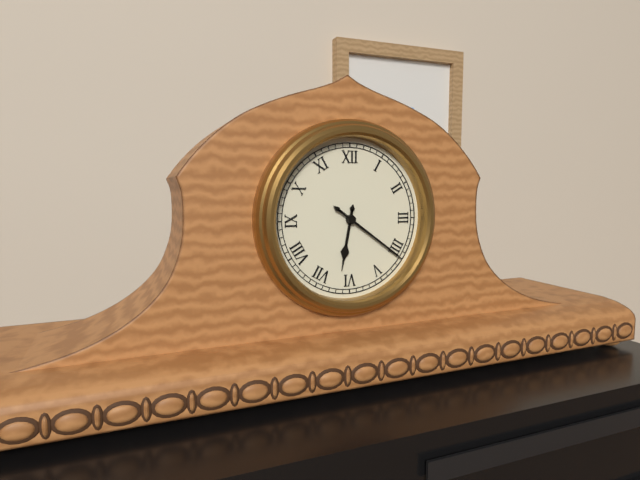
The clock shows 6:21
